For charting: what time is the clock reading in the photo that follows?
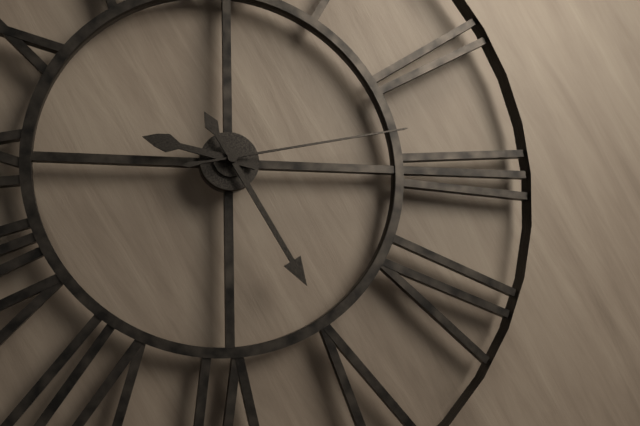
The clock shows 9:25:13
